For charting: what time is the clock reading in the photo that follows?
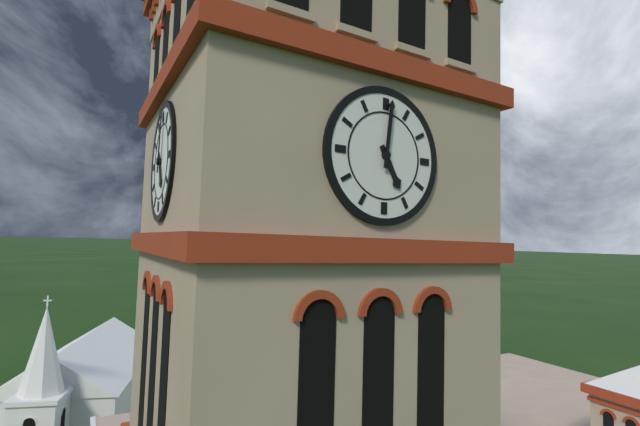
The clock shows 5:01
